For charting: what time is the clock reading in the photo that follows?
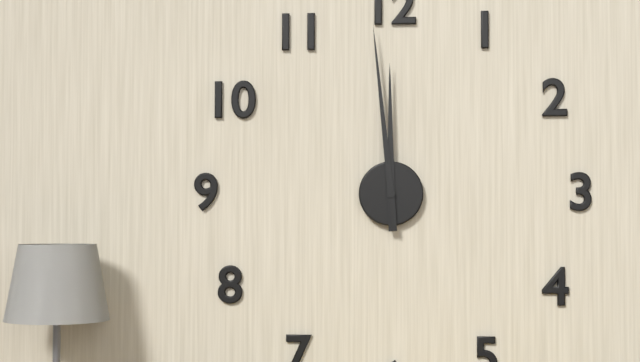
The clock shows 11:59
